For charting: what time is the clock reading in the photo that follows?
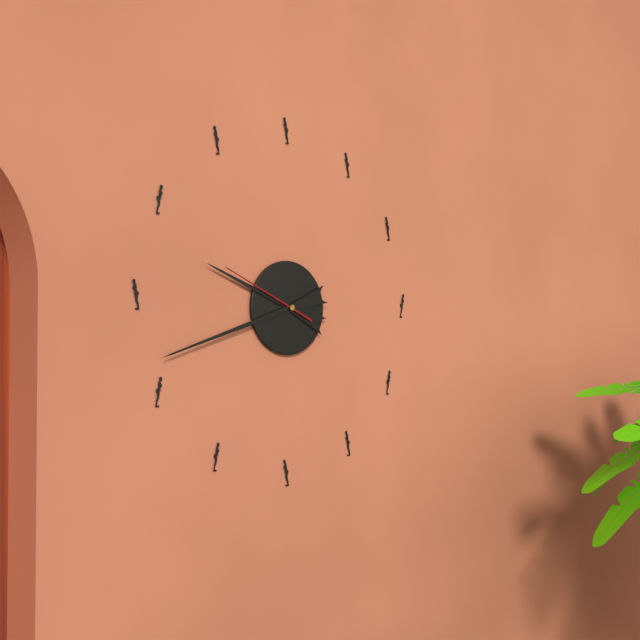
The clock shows 9:42:49
